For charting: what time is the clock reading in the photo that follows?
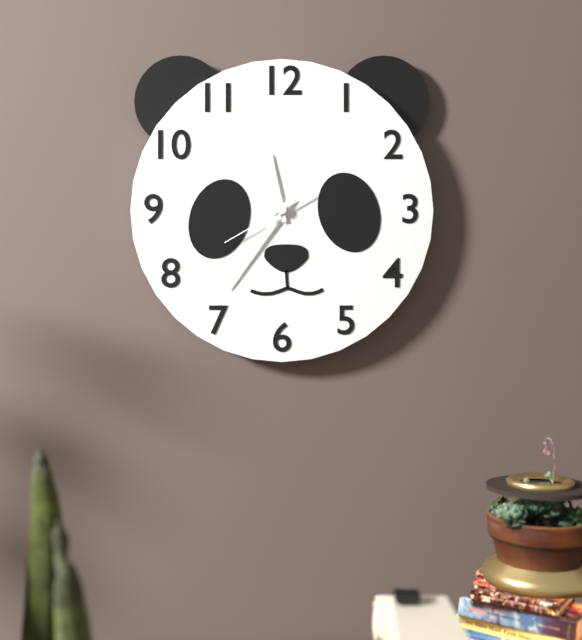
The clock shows 11:36:40
